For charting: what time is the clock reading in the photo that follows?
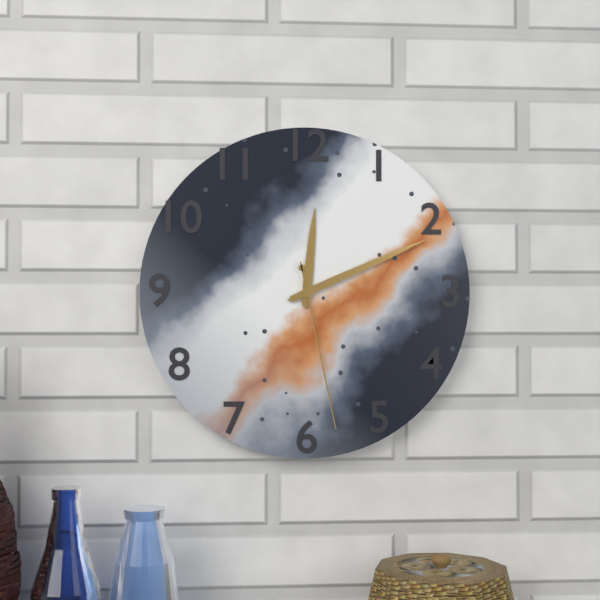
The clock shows 12:11:28
